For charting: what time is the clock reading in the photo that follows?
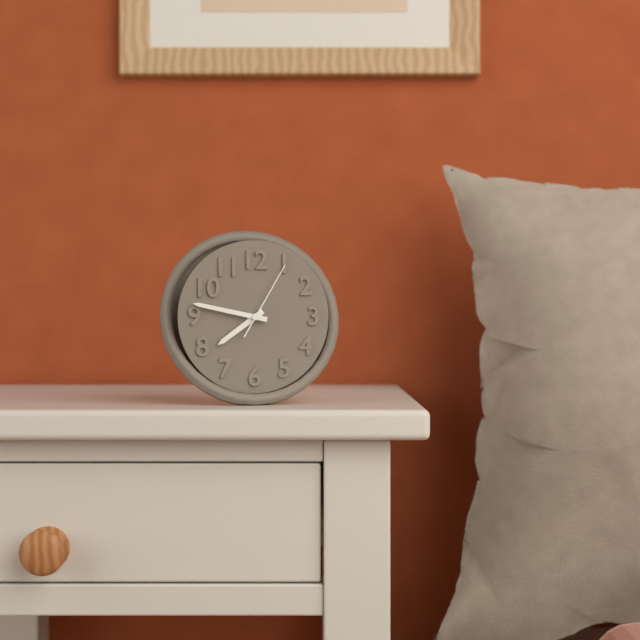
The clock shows 7:47:05
